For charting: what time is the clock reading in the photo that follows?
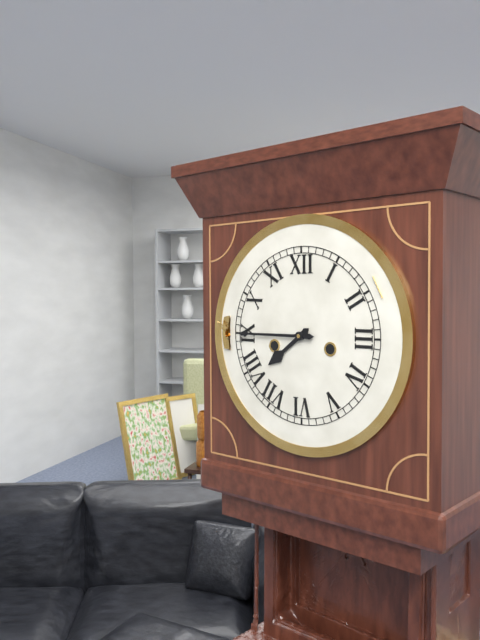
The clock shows 7:45
